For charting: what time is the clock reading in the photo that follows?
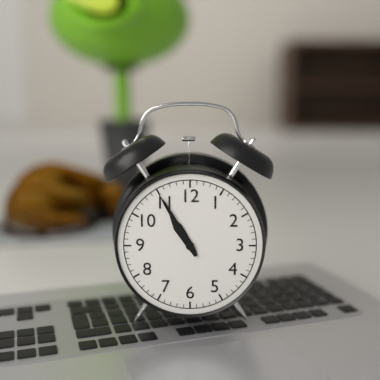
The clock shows 10:55
